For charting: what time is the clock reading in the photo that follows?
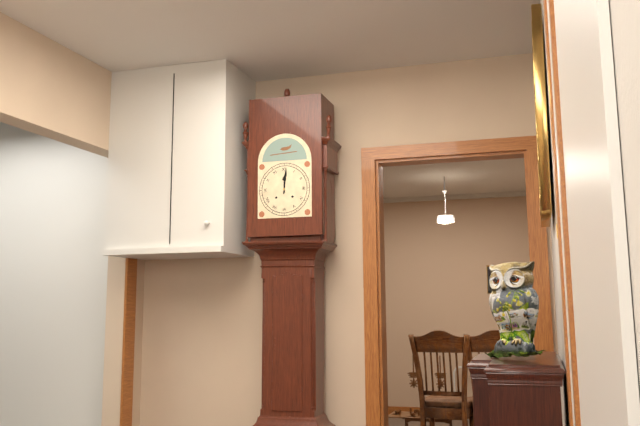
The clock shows 12:01
